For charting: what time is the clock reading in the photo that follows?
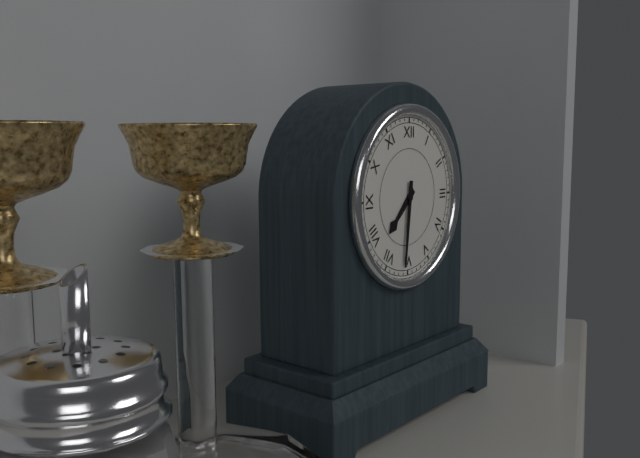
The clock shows 7:31
